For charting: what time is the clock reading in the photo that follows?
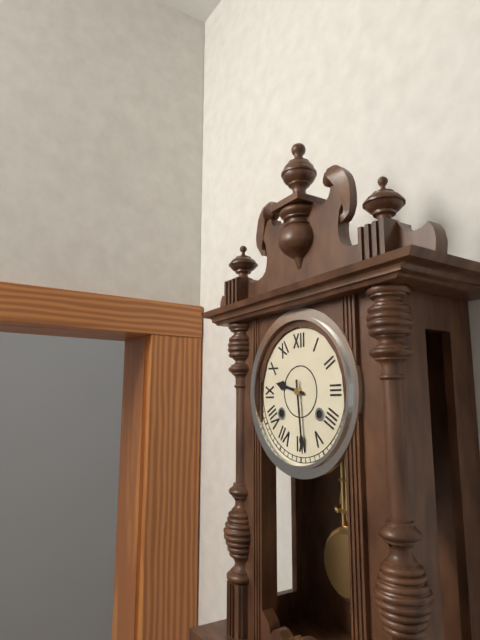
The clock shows 9:29
